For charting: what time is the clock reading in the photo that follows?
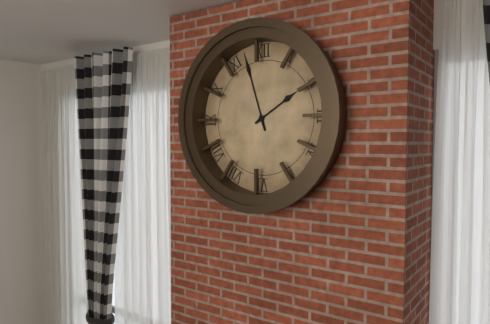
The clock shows 1:57
